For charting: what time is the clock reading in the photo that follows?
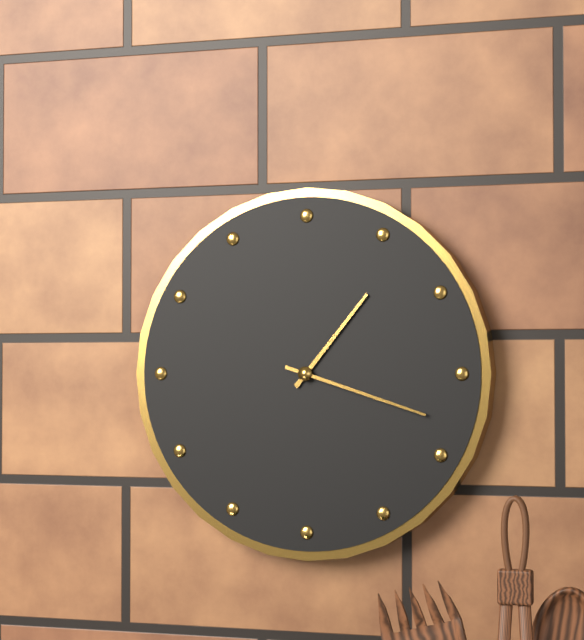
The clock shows 1:18
